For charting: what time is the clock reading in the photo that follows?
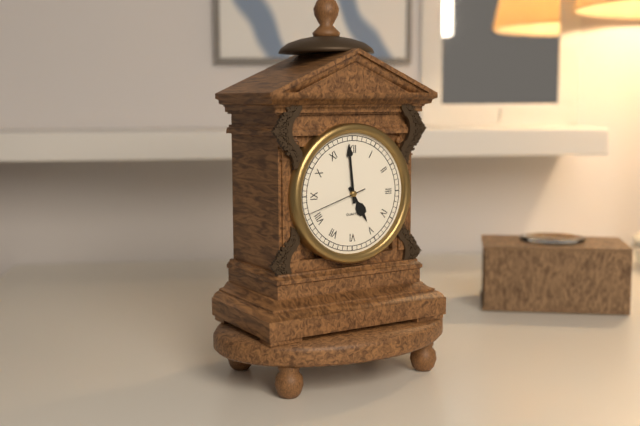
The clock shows 4:59:42
